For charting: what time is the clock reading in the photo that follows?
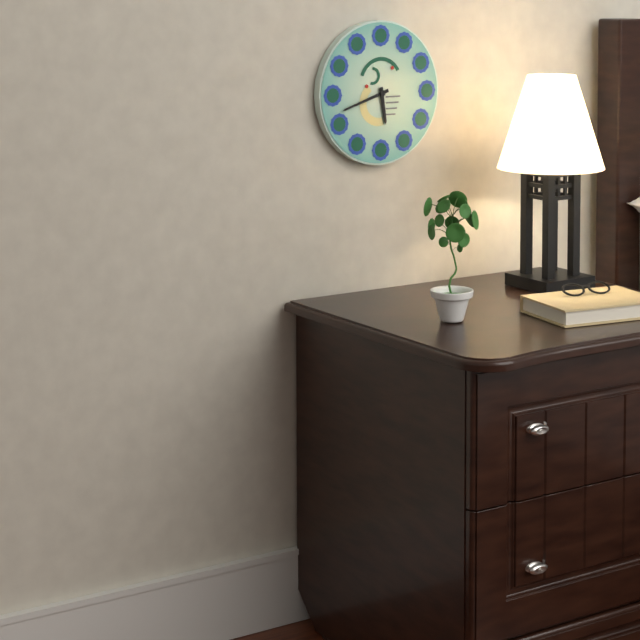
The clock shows 5:42
